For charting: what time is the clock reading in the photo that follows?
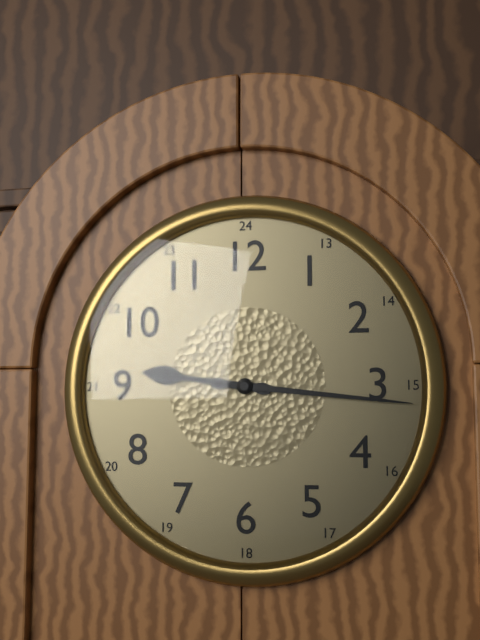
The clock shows 9:16
